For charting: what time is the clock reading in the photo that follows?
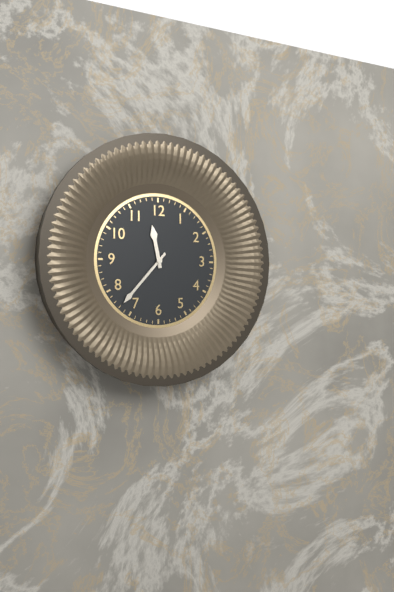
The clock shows 11:37
